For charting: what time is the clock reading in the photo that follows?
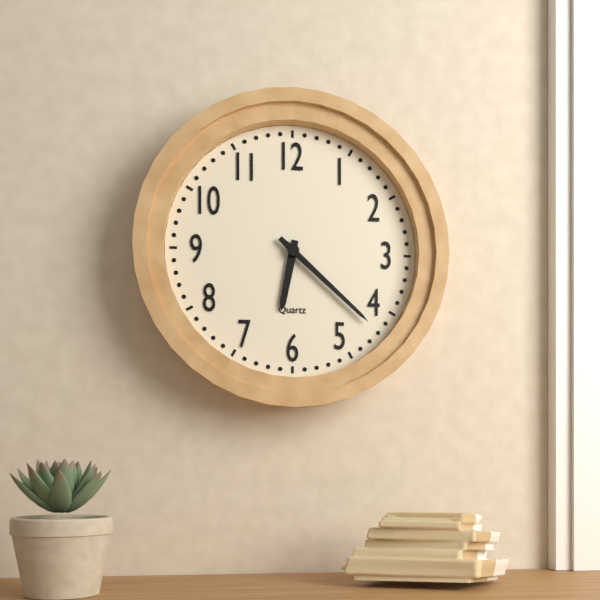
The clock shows 6:22
